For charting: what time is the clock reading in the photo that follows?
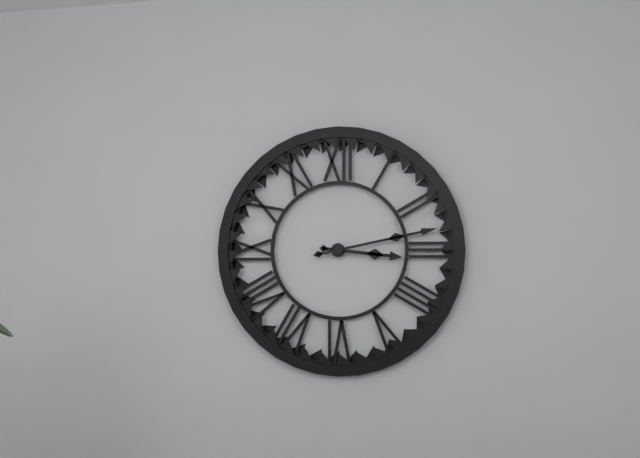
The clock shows 3:13
